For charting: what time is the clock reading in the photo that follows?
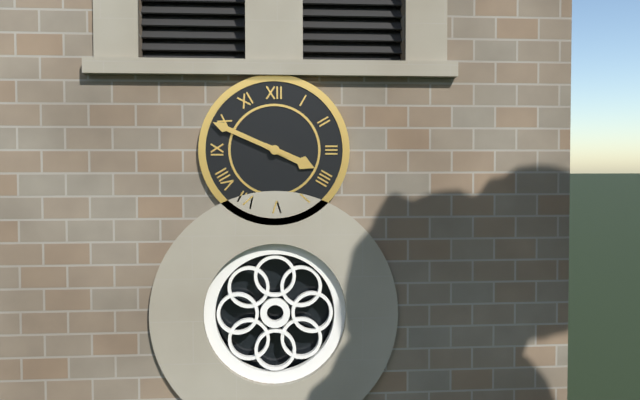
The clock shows 3:49
